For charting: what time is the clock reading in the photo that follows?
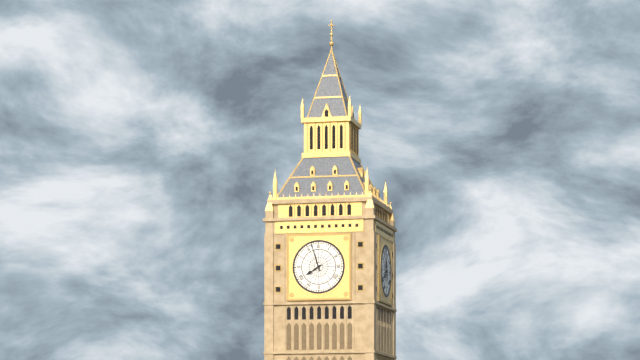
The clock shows 7:57
